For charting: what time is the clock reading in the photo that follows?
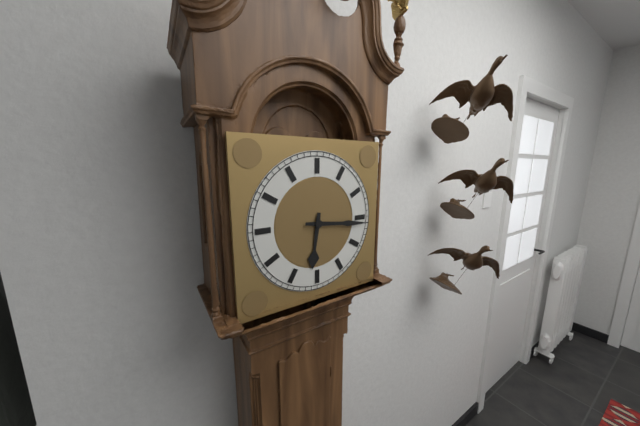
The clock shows 6:16
